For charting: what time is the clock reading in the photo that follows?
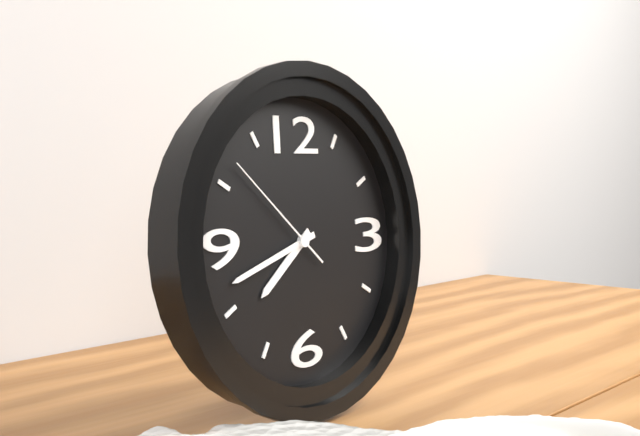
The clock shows 7:42:52
